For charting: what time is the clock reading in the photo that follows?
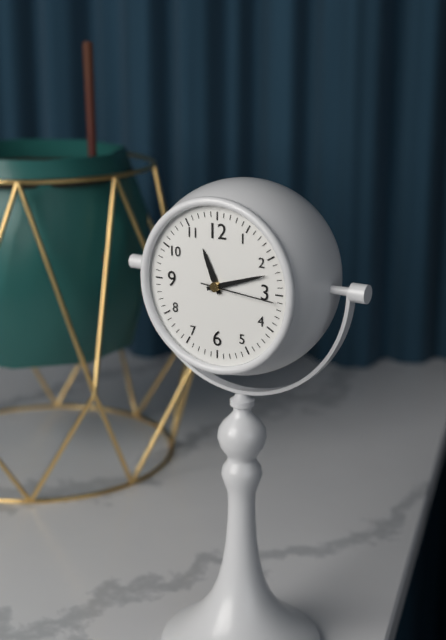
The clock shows 11:12:16
